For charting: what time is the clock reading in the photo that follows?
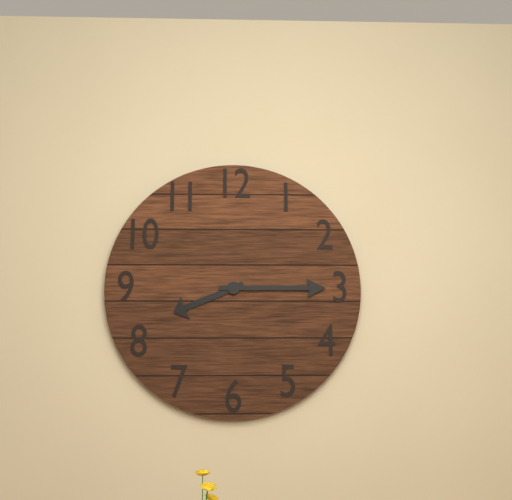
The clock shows 8:15
